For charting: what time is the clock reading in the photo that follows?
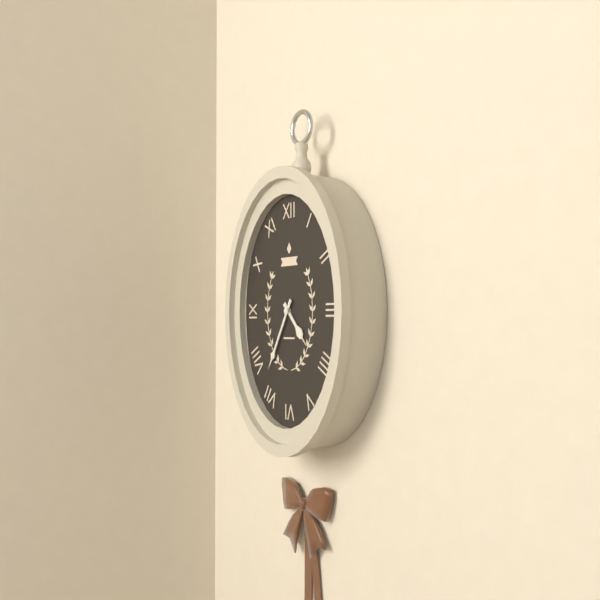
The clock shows 4:35
